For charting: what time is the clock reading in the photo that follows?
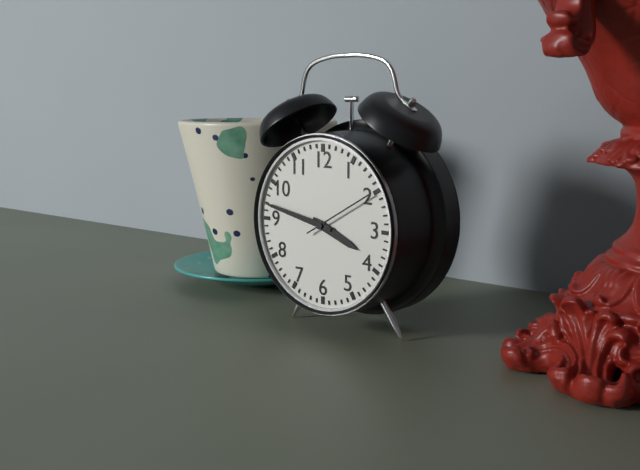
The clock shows 3:47:10
